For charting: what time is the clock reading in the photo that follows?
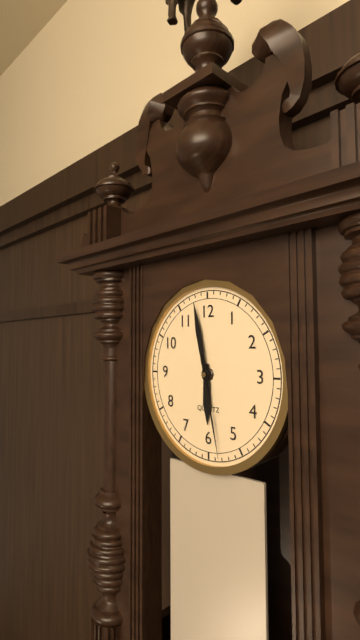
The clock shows 5:58:28
